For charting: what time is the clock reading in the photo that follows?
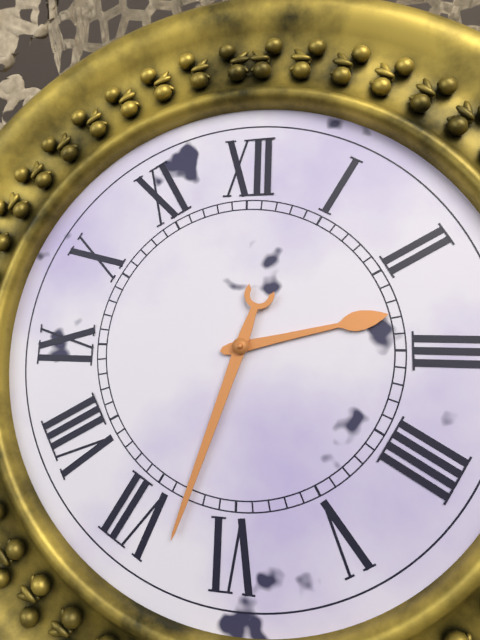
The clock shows 2:33
